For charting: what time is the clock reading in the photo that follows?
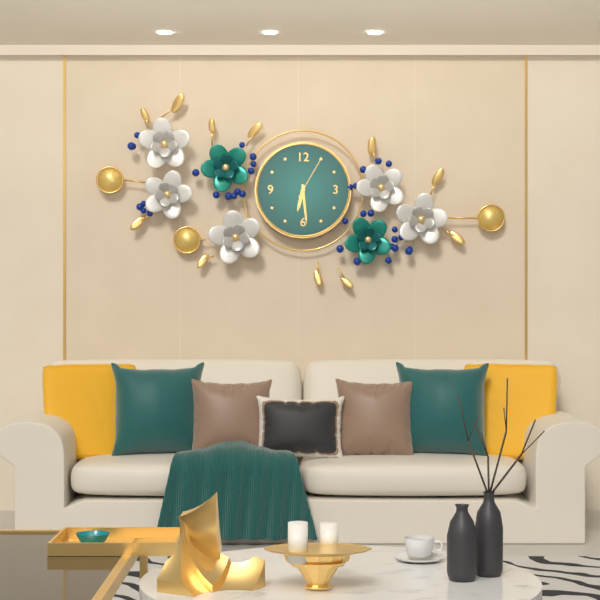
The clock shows 6:29
